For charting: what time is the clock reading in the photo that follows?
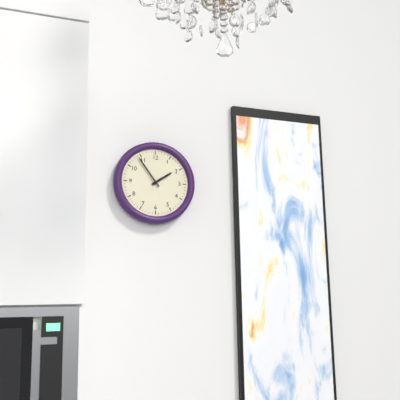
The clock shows 1:54
